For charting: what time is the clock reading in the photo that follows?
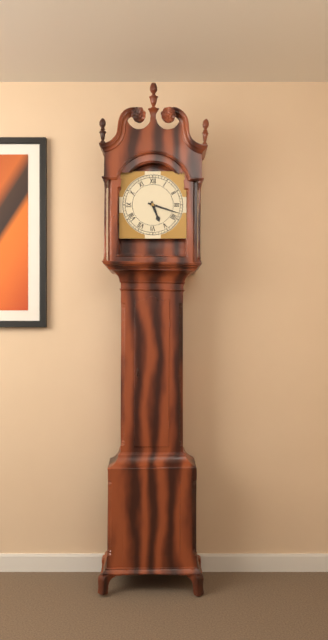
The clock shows 5:18
